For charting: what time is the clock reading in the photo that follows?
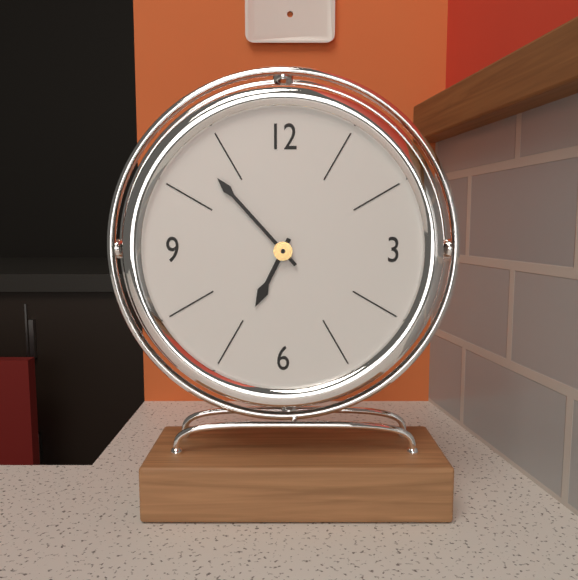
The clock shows 6:53
